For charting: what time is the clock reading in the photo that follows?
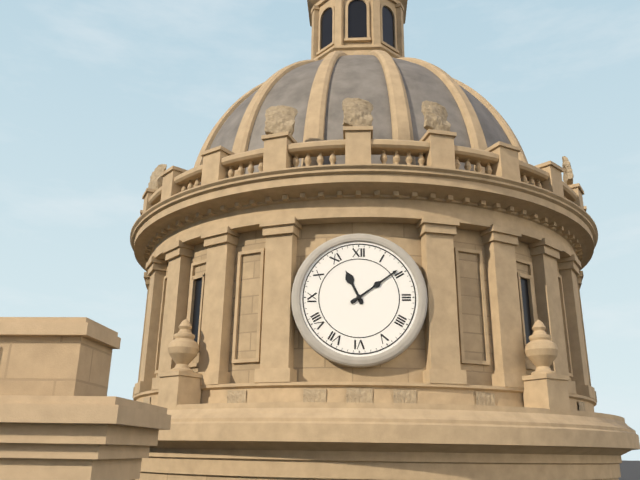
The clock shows 11:09
